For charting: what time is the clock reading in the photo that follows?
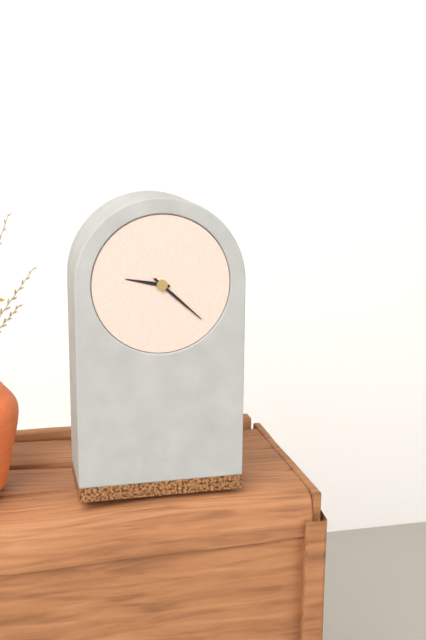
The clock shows 9:22
